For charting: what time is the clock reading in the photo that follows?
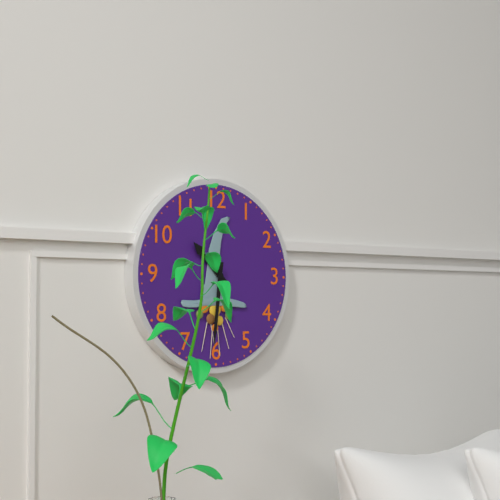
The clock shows 10:31
